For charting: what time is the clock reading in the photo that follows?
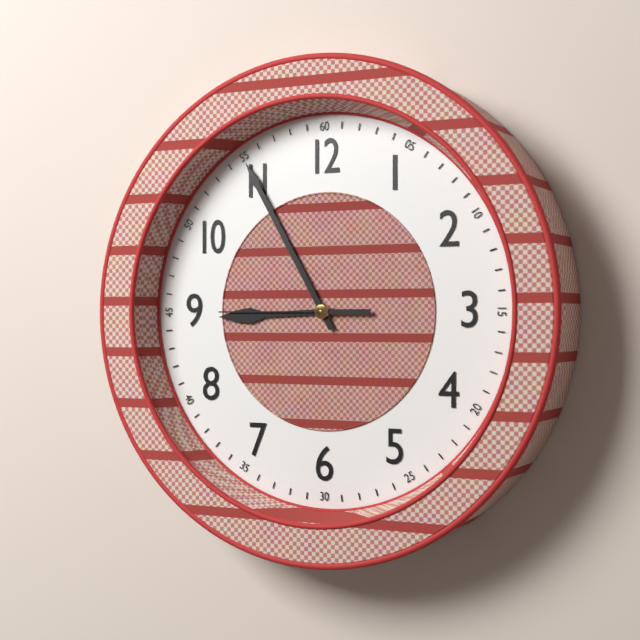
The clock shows 8:55:45
